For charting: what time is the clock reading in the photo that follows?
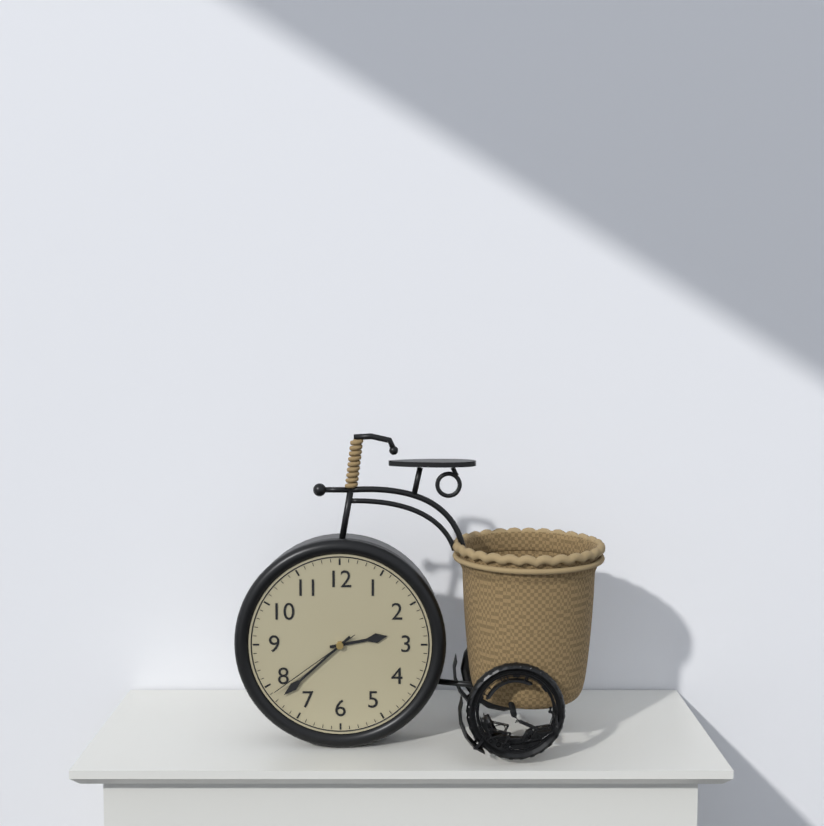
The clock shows 2:38:39
